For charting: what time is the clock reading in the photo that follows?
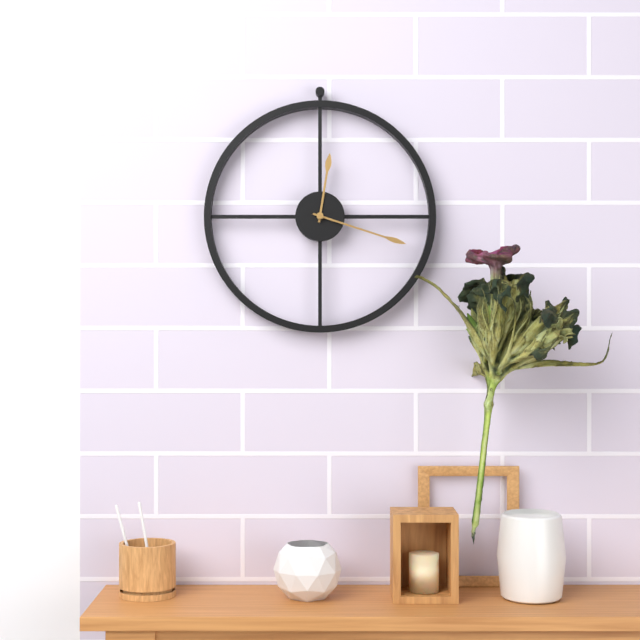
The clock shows 12:18
